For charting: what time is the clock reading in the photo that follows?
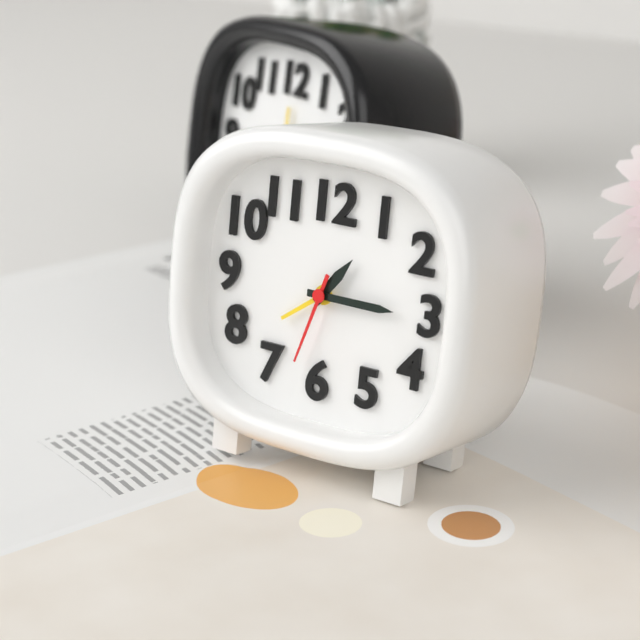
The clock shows 1:15:33
